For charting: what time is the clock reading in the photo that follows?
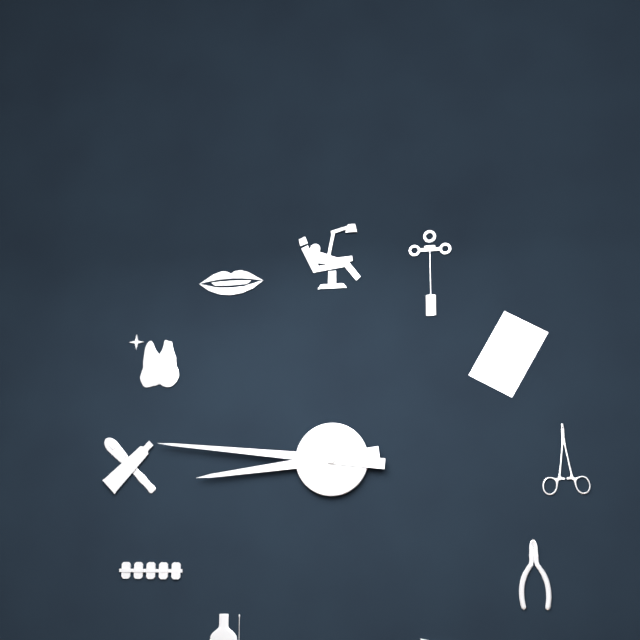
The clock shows 8:46
